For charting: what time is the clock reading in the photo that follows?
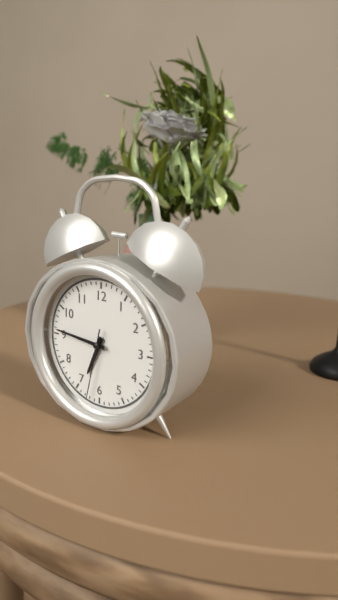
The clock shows 6:46:32
